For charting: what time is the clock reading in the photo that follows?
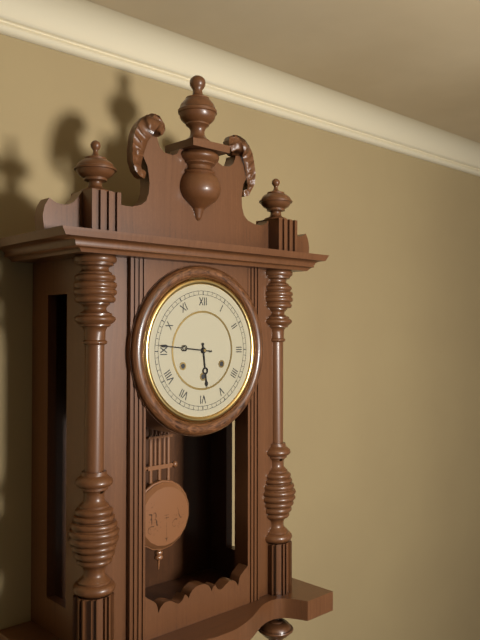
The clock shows 5:46
